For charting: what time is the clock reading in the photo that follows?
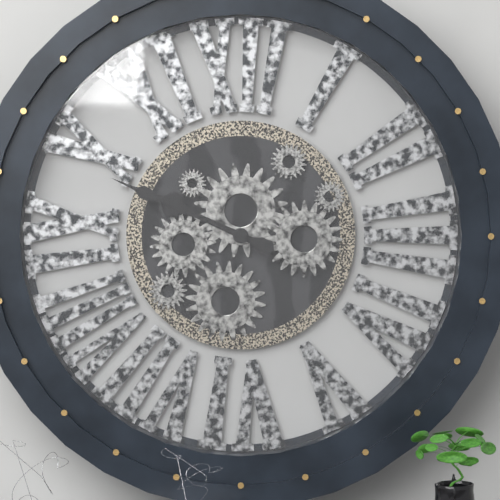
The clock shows 9:49
